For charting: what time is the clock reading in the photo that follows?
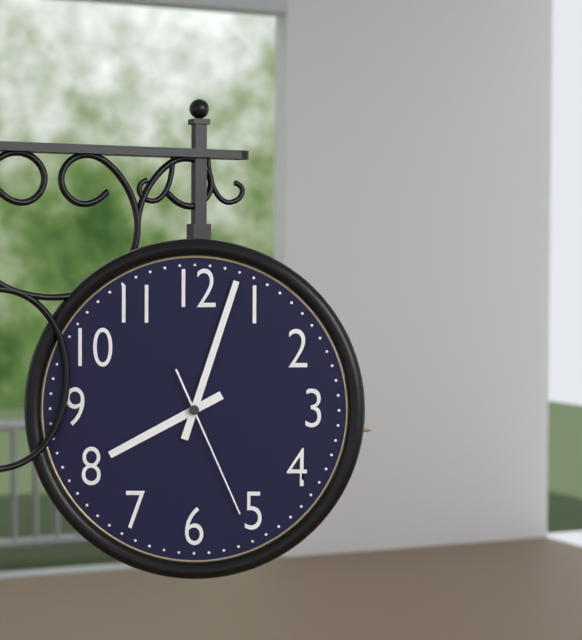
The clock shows 8:03:26
